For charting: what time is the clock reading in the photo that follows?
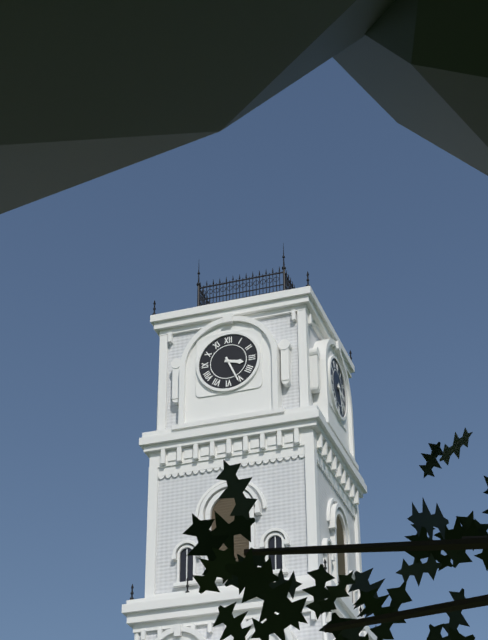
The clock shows 3:26
